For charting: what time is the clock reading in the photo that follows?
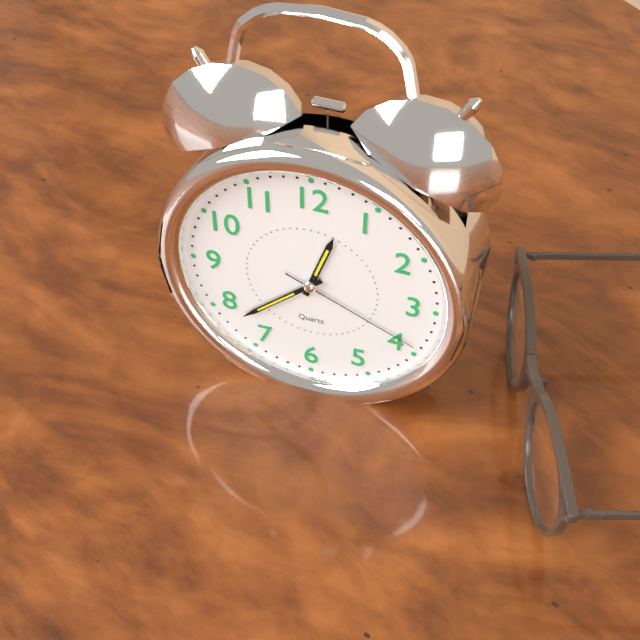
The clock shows 12:38:19
